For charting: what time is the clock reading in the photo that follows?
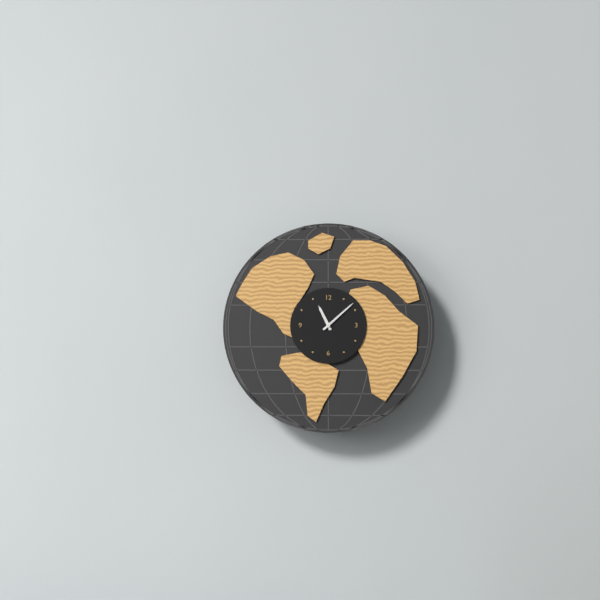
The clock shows 11:08
